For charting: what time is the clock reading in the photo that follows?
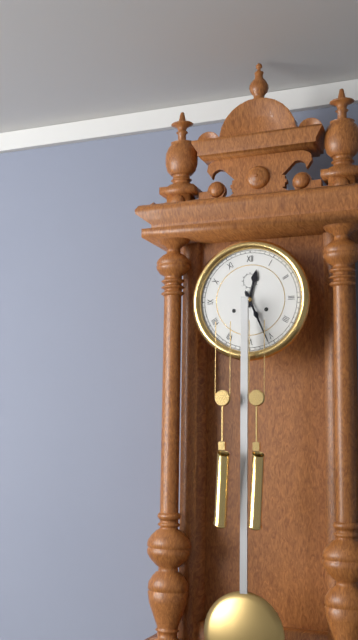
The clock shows 12:26
